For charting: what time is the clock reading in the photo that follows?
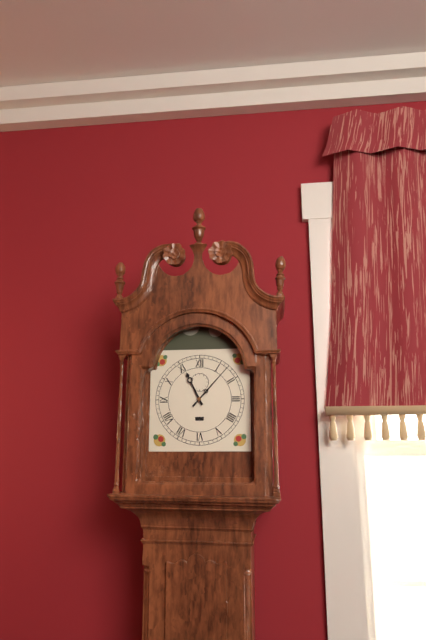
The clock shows 11:07
